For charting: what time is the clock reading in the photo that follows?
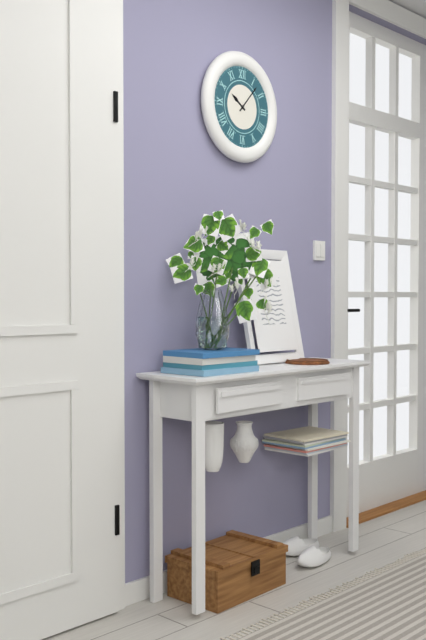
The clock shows 10:07
